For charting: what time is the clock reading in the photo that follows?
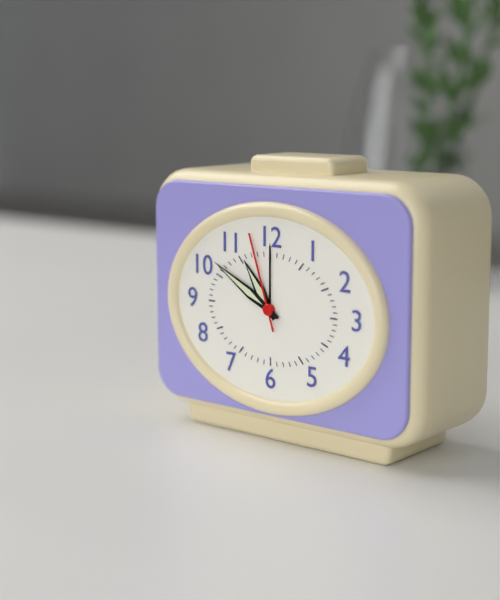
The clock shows 10:50:57
